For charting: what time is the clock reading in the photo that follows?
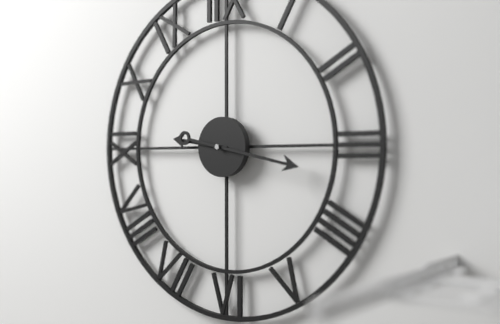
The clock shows 9:17
